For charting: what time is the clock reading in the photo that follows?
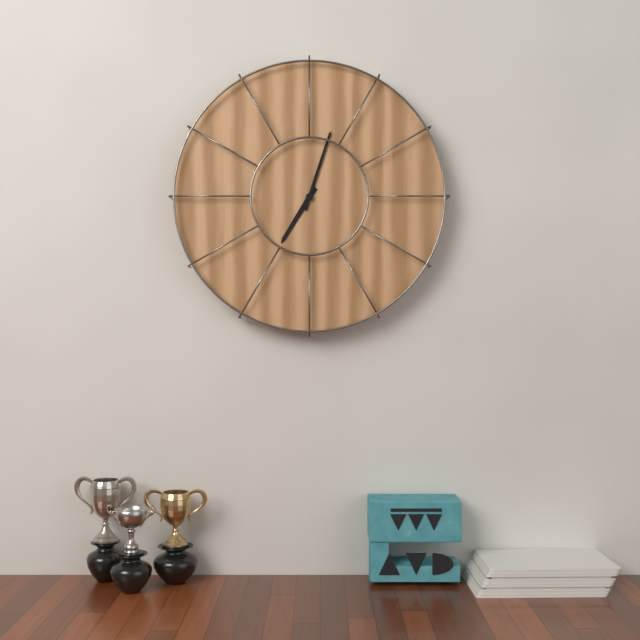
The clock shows 7:03
